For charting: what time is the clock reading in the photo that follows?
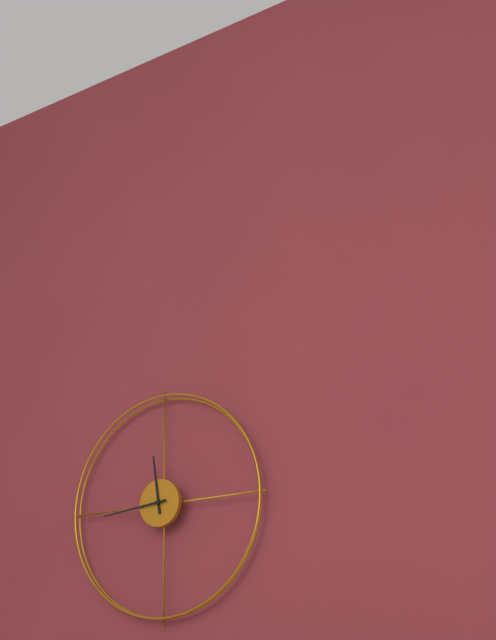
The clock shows 11:44
